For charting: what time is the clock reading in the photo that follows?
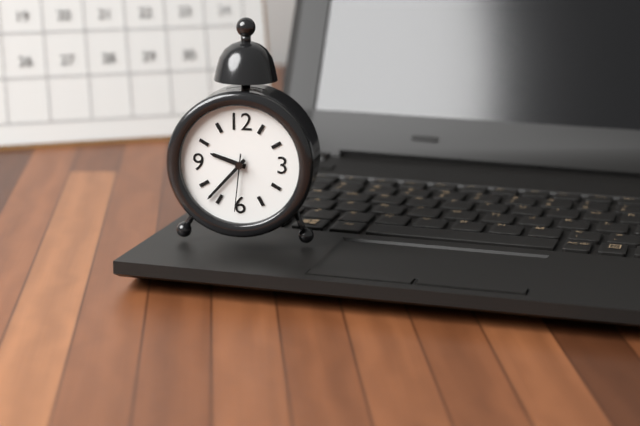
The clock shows 9:37:31
